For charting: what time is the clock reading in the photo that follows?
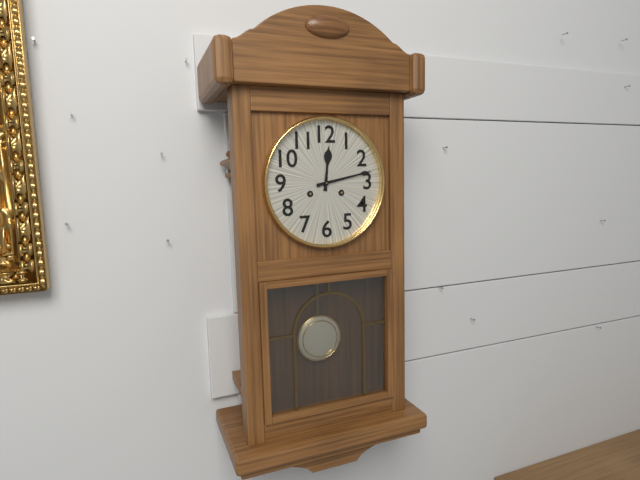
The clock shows 12:13
